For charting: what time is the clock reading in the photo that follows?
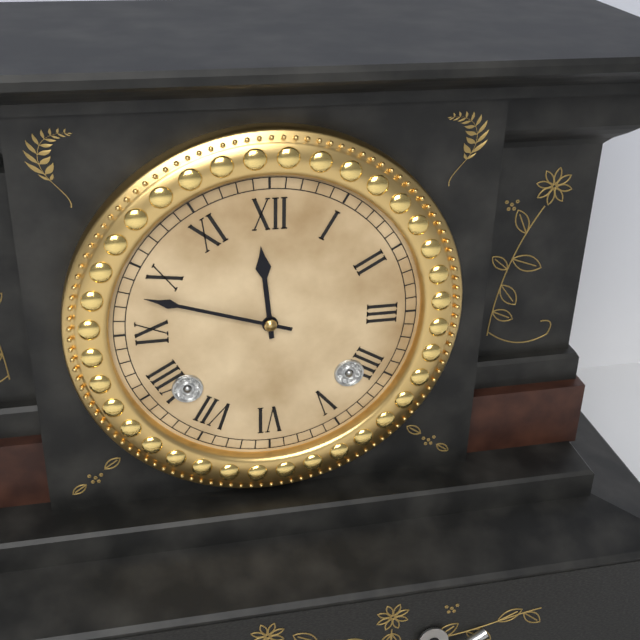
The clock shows 11:48
